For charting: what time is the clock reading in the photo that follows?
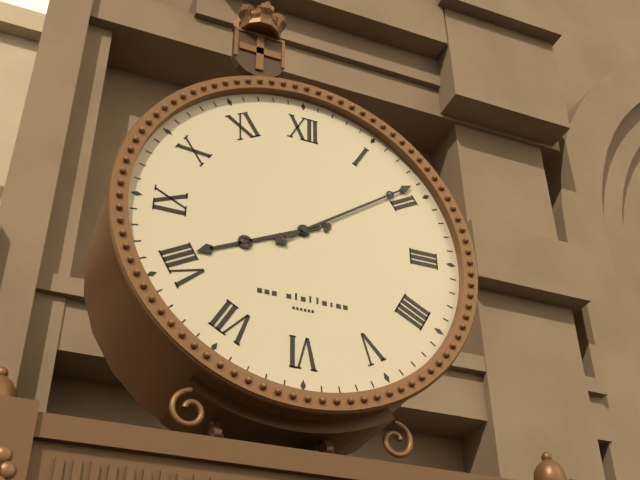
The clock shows 8:09
